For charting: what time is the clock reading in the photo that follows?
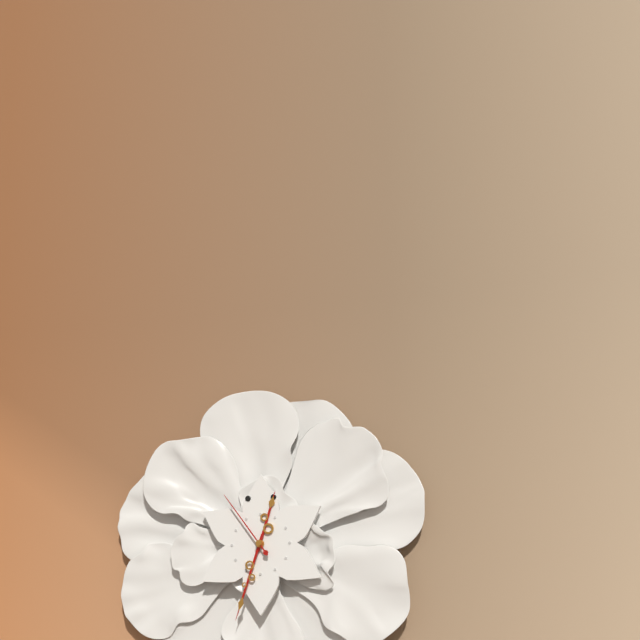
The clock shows 12:33:54
